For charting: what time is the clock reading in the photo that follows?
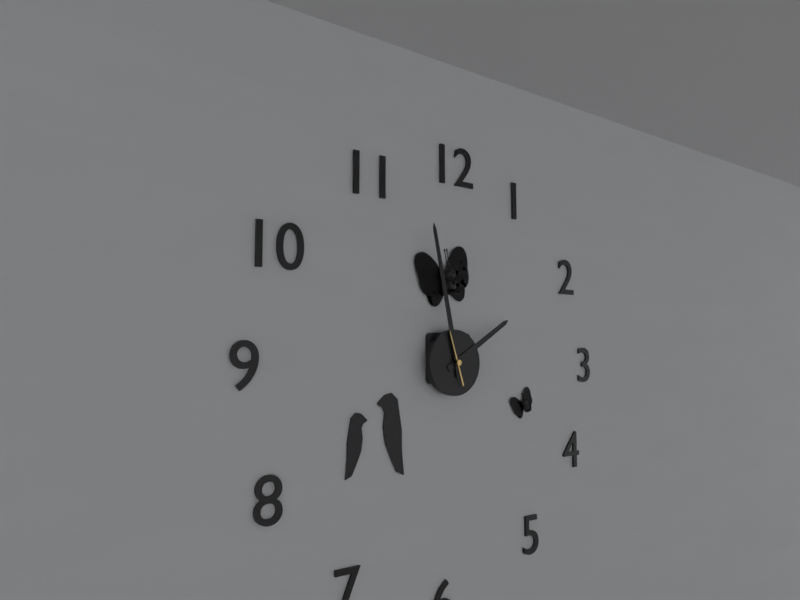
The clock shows 1:58
